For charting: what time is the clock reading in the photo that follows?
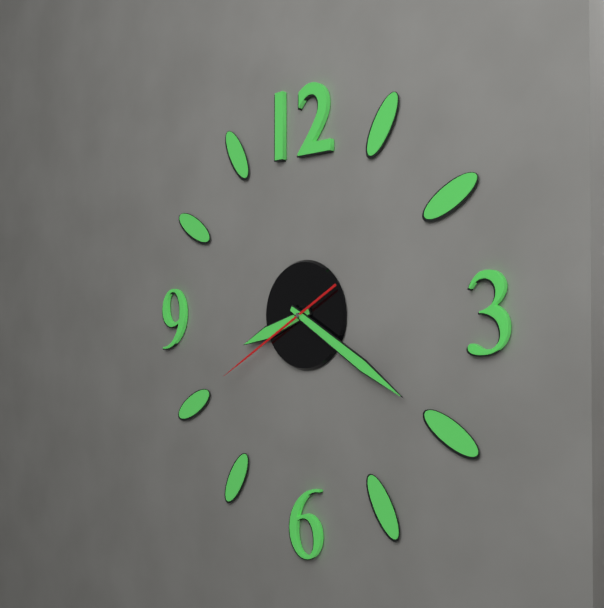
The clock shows 8:20:40
